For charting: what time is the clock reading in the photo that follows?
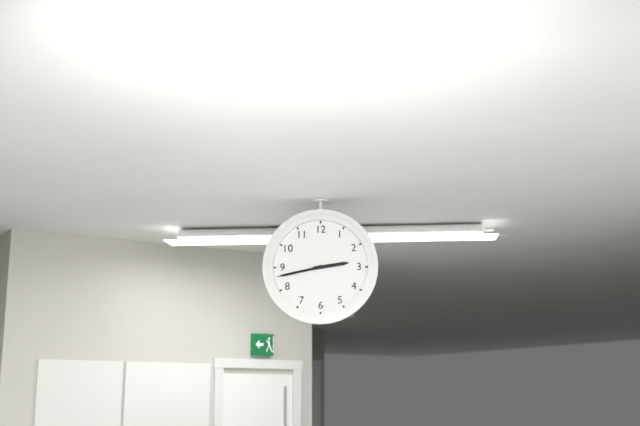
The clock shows 2:43
